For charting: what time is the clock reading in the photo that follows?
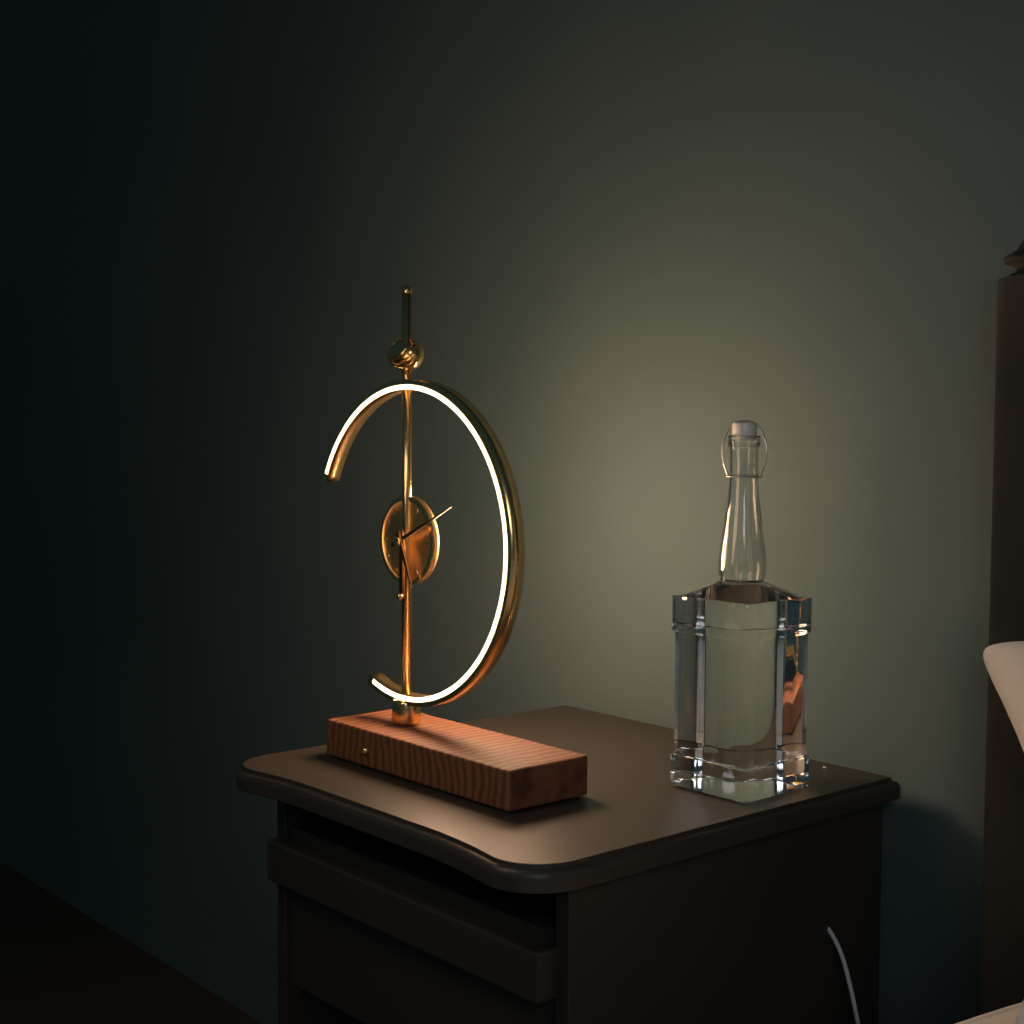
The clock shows 5:11
